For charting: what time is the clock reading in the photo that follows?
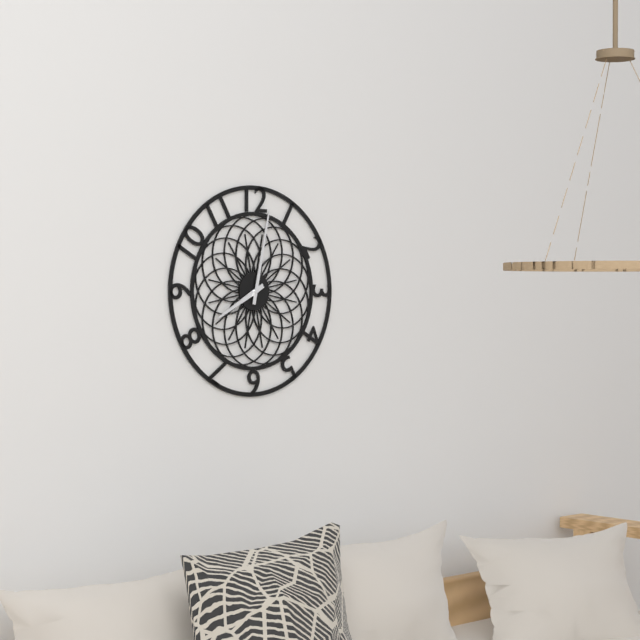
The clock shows 8:02
